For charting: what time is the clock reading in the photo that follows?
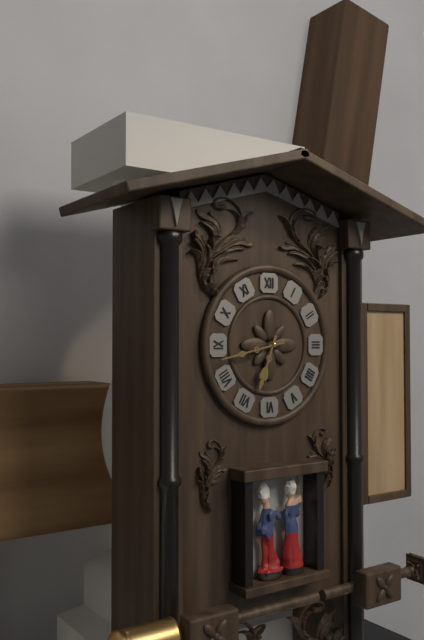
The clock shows 6:43
